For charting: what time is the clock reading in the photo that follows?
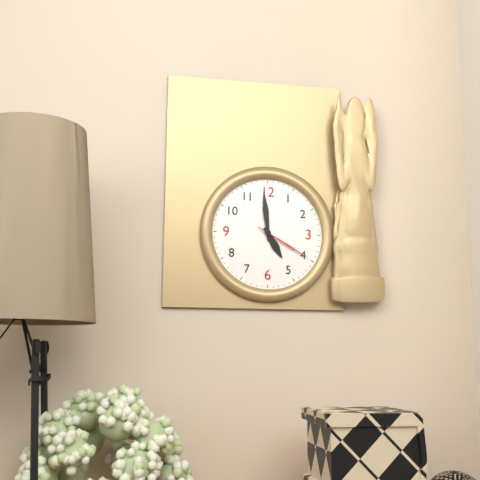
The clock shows 4:59:20
